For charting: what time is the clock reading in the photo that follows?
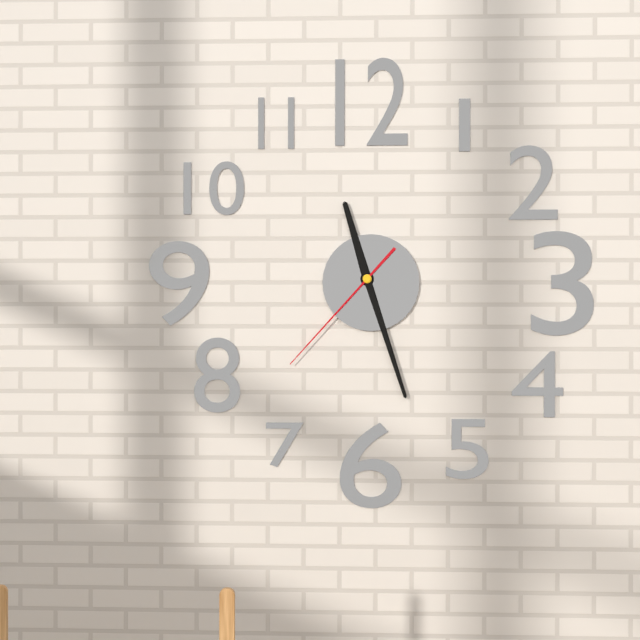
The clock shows 11:27:37
